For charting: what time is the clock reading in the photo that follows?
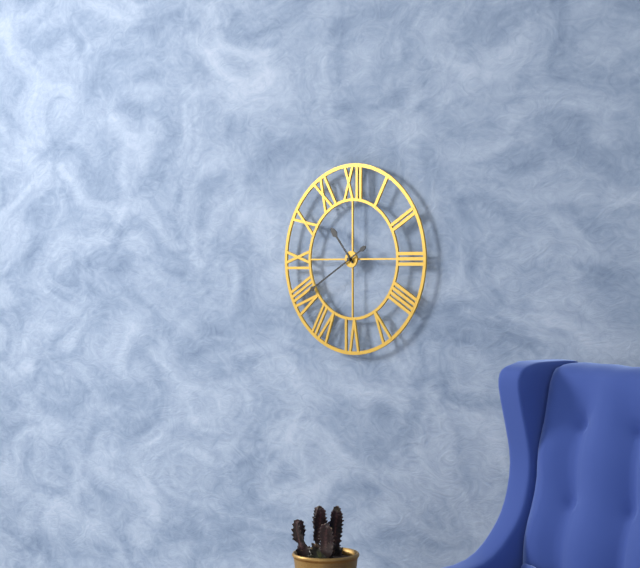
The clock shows 10:40
